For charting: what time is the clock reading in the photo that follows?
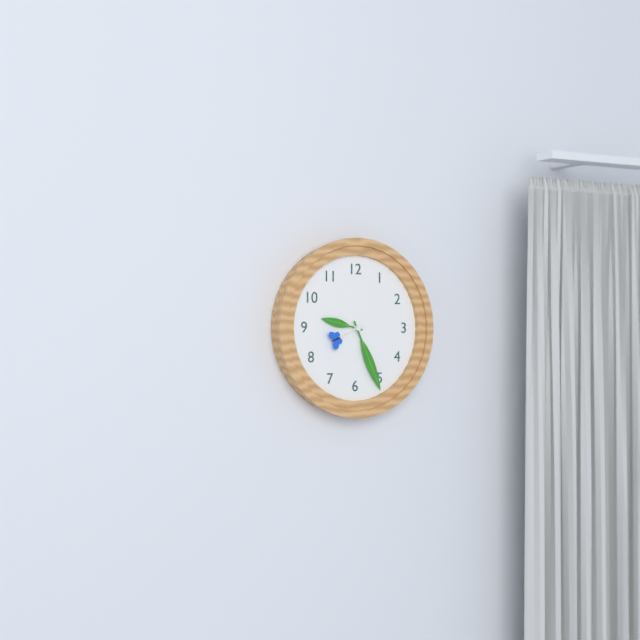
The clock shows 9:26
